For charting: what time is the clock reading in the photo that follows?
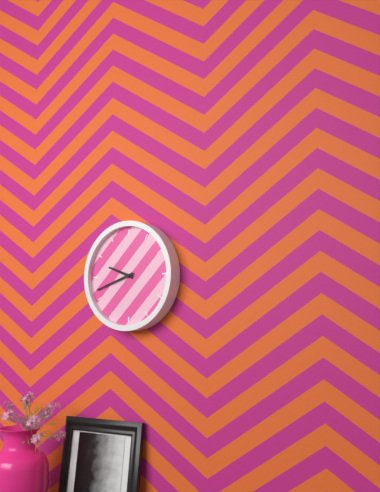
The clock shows 9:42
